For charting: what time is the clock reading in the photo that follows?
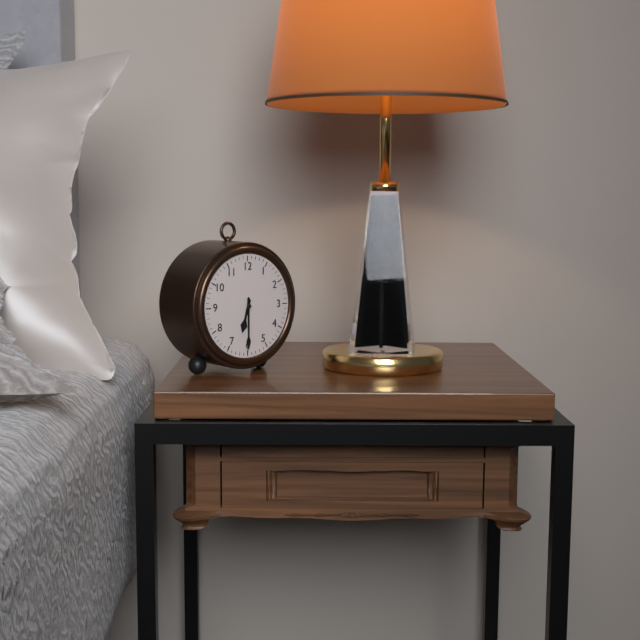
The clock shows 6:30
